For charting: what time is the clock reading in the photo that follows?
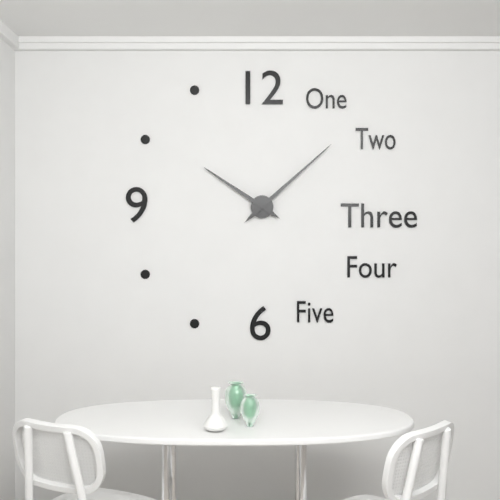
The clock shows 10:08
